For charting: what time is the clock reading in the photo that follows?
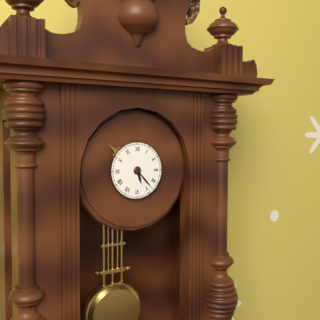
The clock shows 5:23
